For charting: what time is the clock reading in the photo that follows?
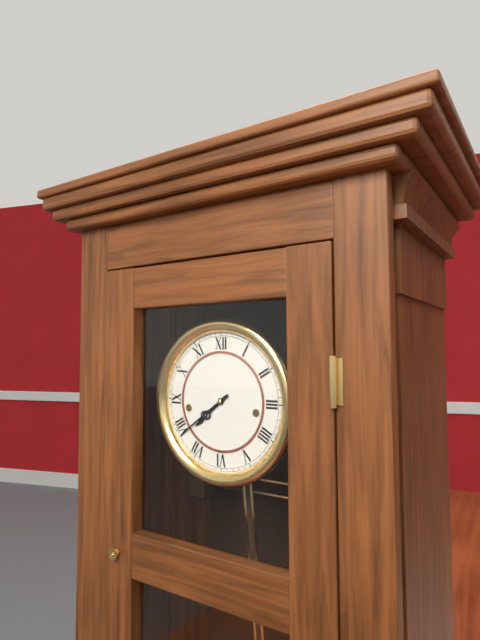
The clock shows 7:39
